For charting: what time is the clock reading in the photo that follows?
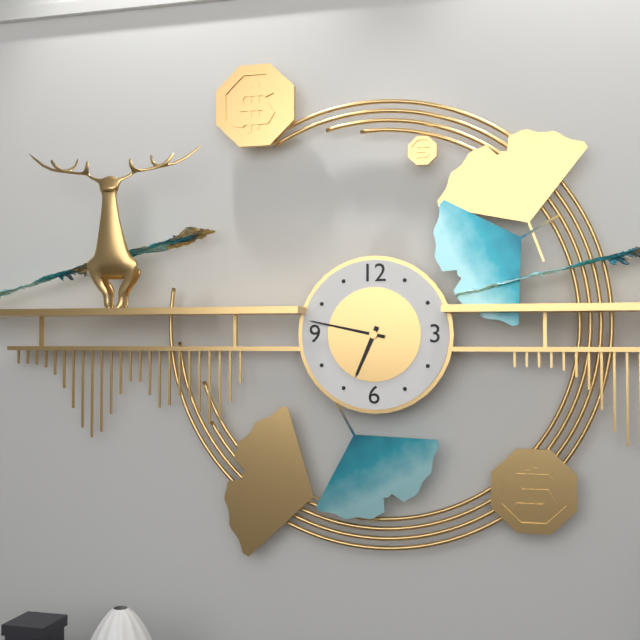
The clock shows 6:47
